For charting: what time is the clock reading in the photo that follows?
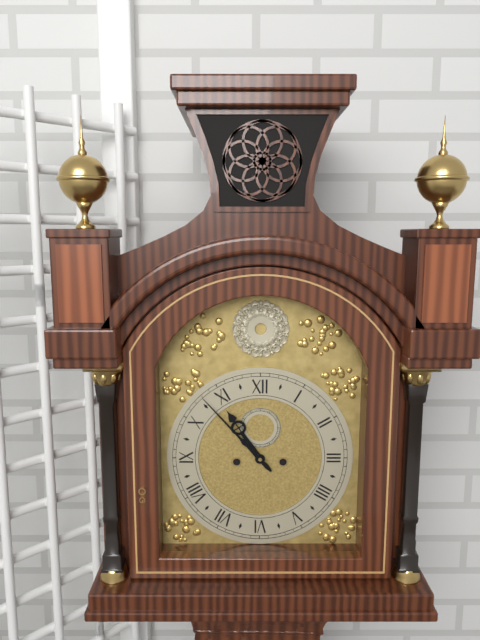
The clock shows 10:53
